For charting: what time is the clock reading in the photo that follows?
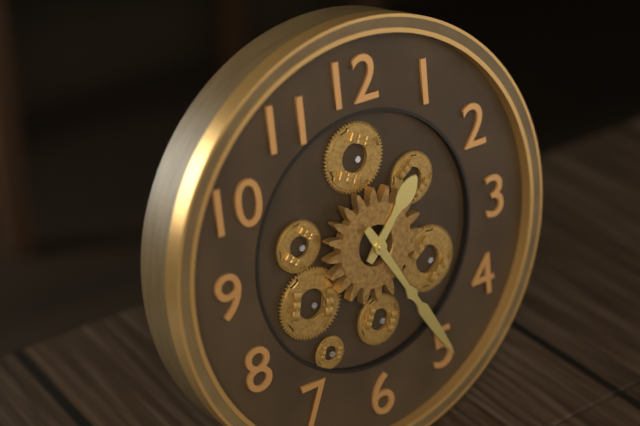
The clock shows 1:25
